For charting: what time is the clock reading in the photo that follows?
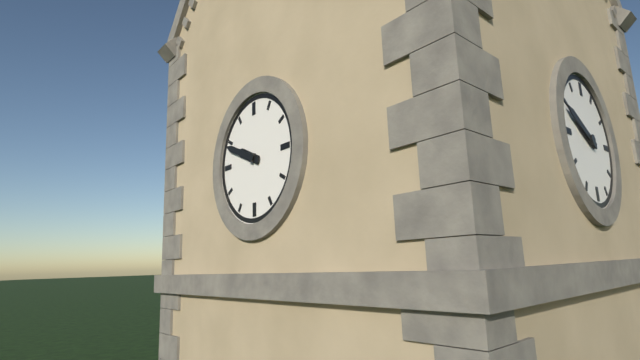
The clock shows 9:49
